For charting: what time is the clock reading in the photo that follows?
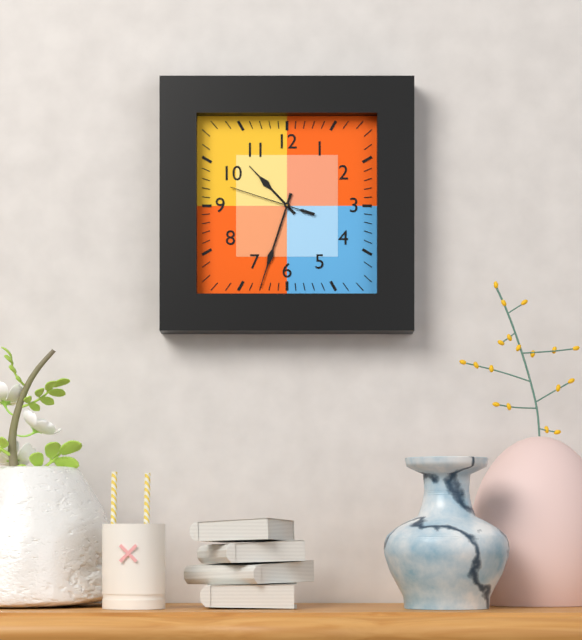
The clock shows 10:33:48
